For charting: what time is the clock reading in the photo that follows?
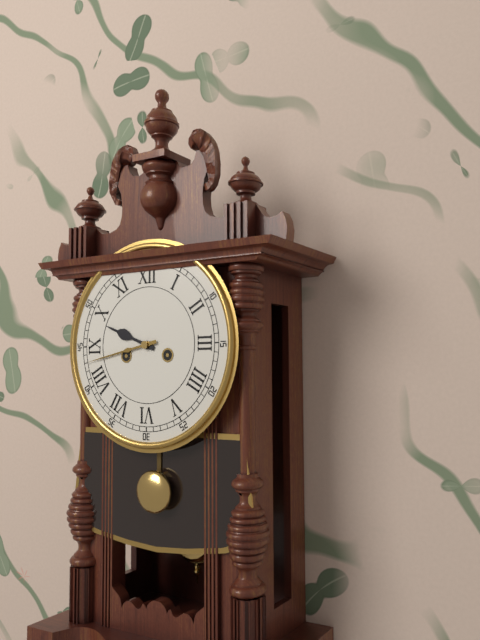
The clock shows 9:43
